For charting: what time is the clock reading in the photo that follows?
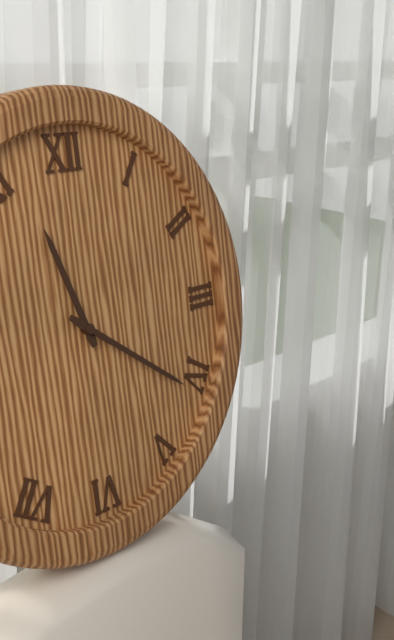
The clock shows 11:21
